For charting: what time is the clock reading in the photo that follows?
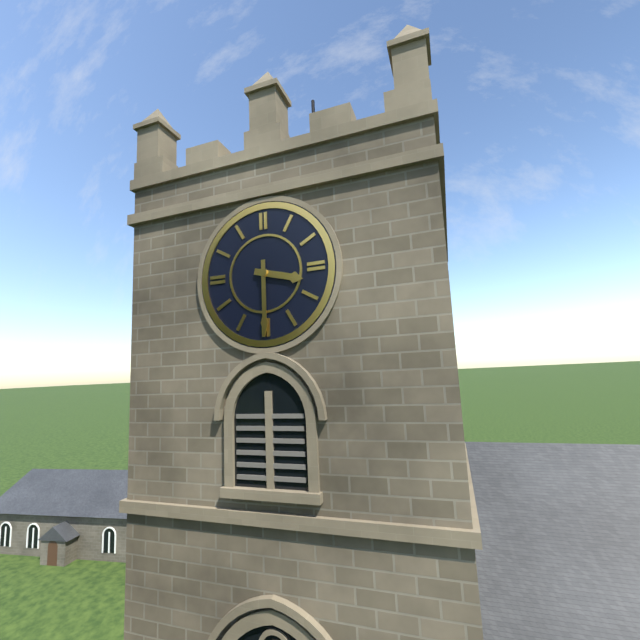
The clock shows 3:30
